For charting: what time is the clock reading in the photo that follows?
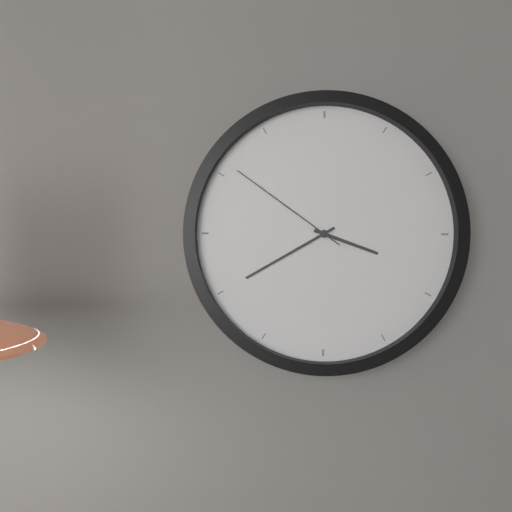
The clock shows 3:40:51
